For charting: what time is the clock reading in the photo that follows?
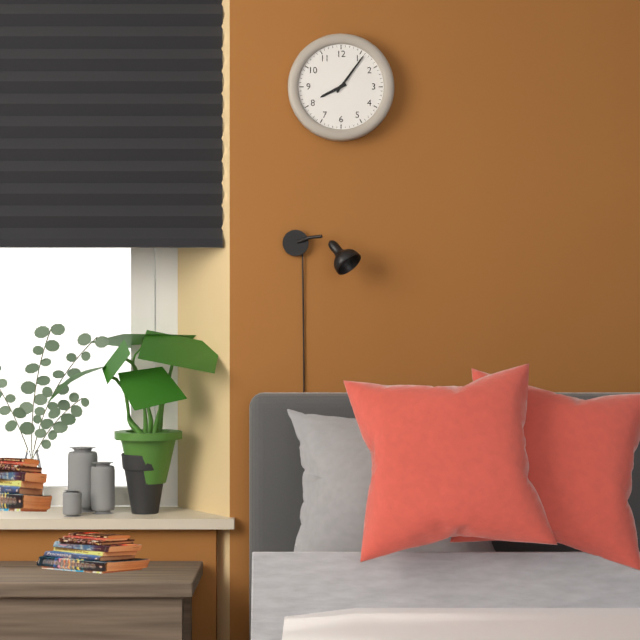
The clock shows 8:06
